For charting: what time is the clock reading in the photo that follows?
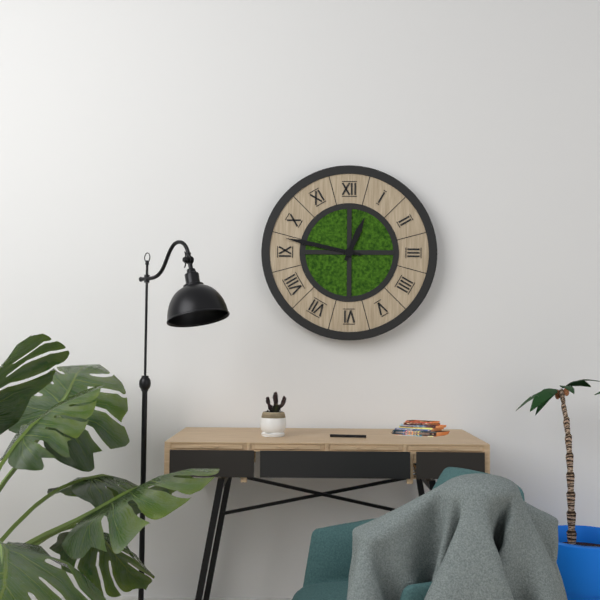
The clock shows 12:47
